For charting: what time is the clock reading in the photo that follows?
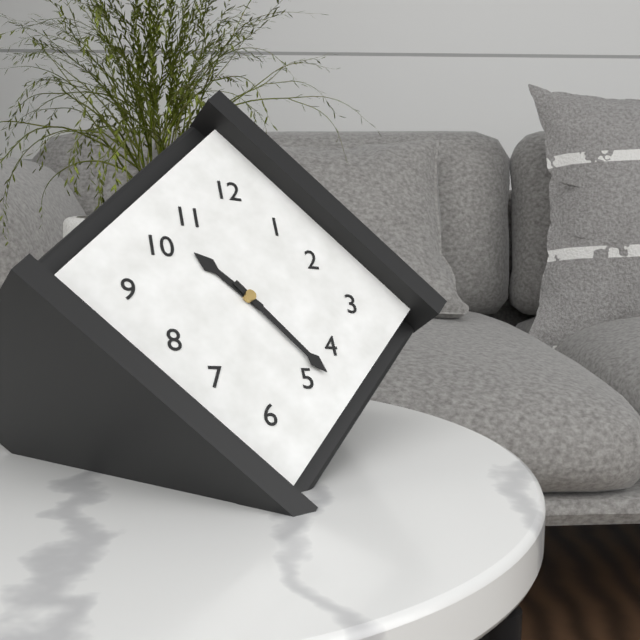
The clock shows 10:23
